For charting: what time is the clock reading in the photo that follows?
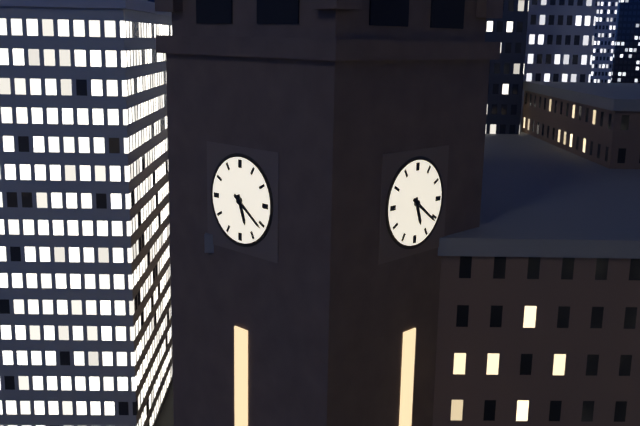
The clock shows 5:21
